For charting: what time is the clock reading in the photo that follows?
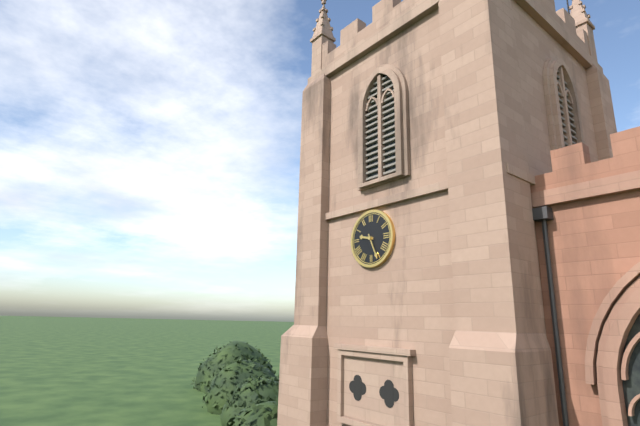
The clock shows 9:26
